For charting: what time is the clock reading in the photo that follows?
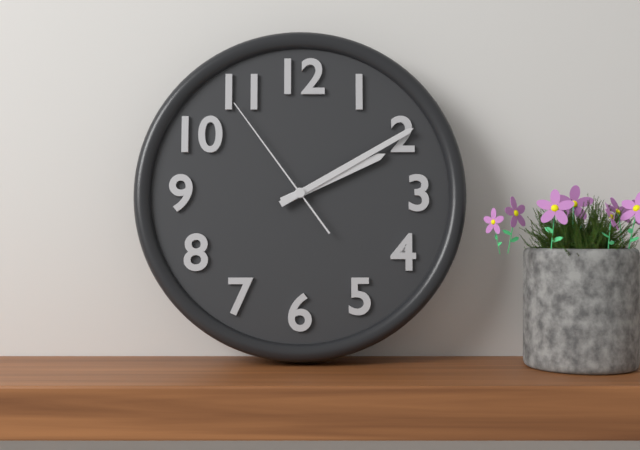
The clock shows 2:10:54
